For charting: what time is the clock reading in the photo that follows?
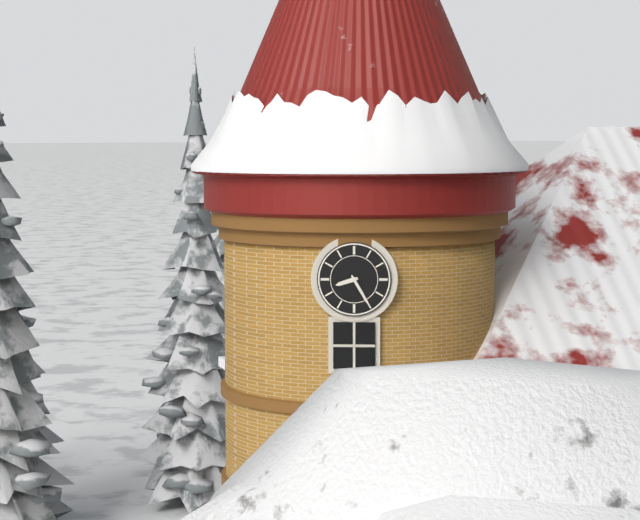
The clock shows 8:25
